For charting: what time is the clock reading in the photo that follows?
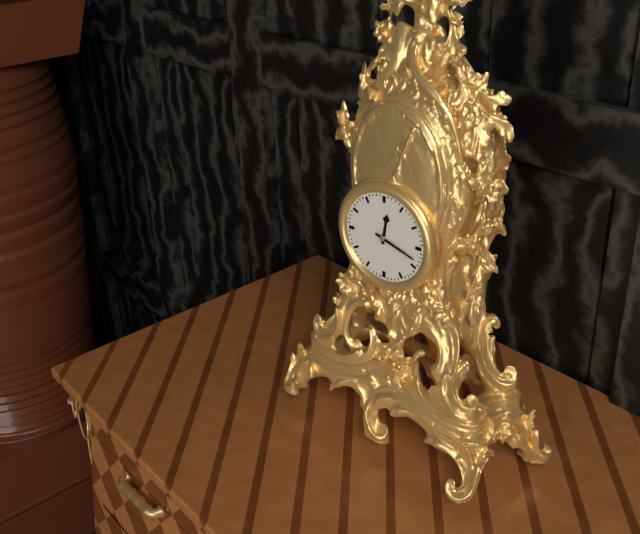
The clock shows 12:18
